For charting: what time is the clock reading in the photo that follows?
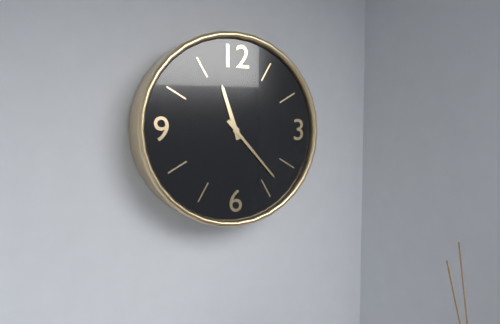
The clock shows 11:23
